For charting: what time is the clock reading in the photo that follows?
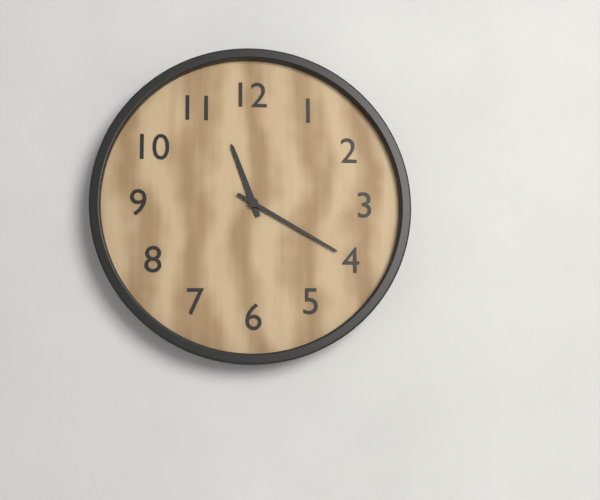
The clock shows 11:20
